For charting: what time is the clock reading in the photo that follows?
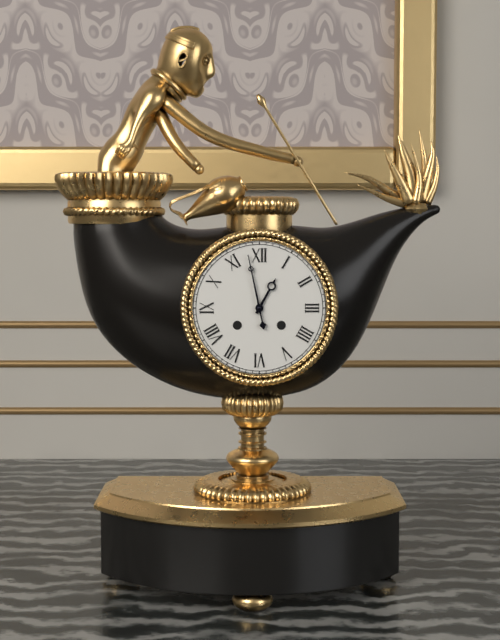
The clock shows 12:58
